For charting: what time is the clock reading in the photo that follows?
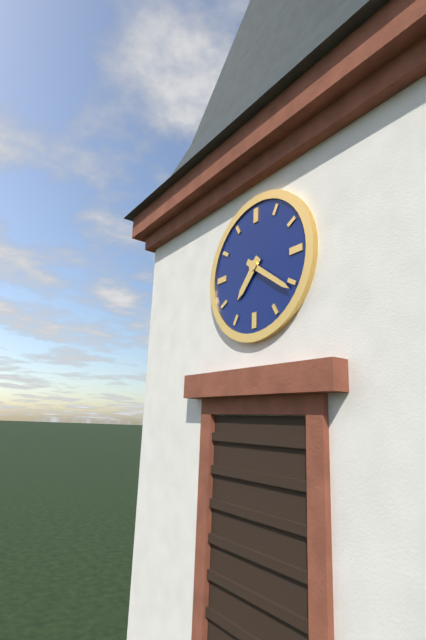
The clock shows 7:21
